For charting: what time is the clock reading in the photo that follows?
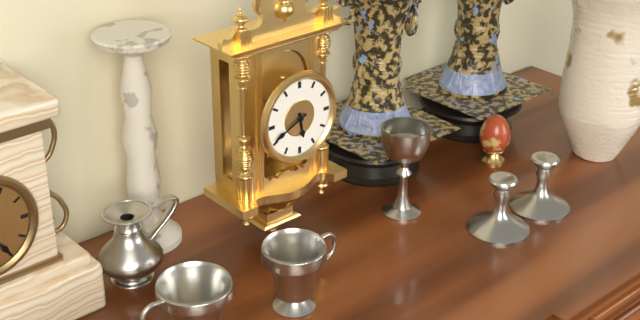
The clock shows 5:41
